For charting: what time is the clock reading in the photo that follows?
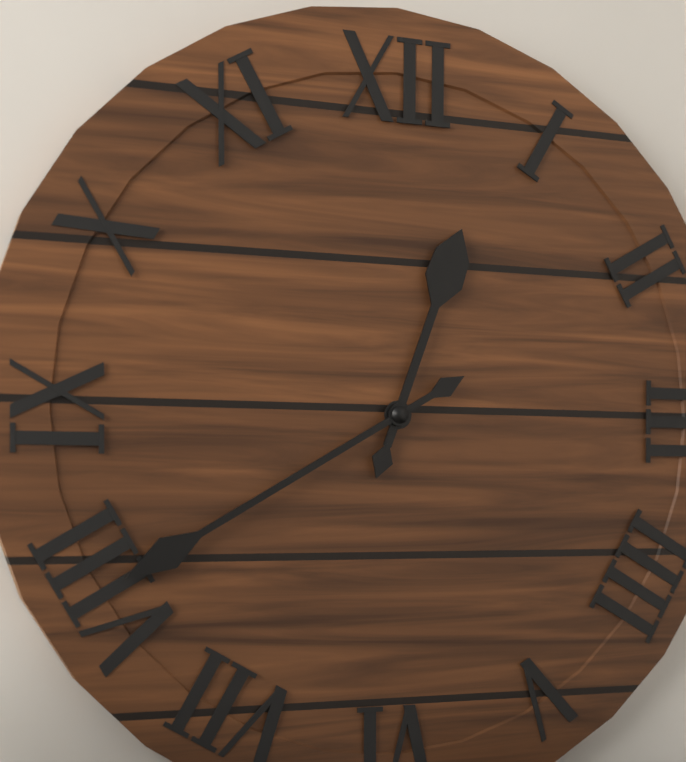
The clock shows 12:40
